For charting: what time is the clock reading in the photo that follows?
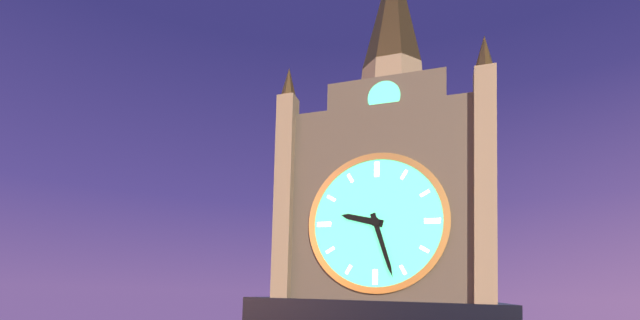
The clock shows 9:27
